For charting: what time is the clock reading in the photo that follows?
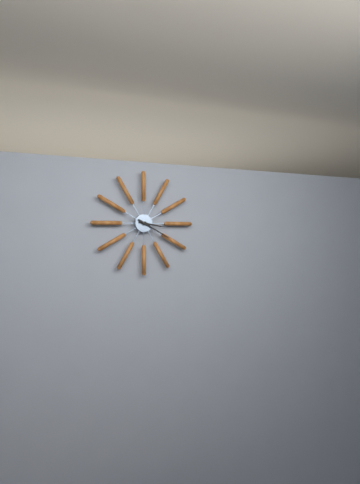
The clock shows 3:20
